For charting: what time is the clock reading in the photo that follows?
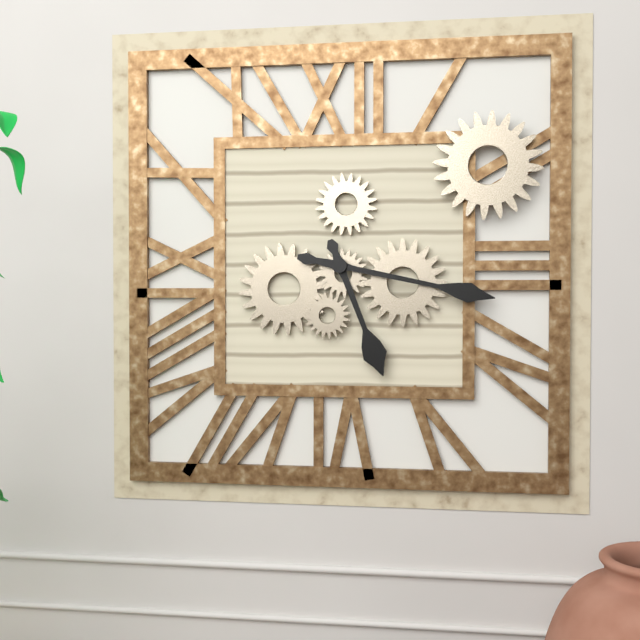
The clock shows 5:17
